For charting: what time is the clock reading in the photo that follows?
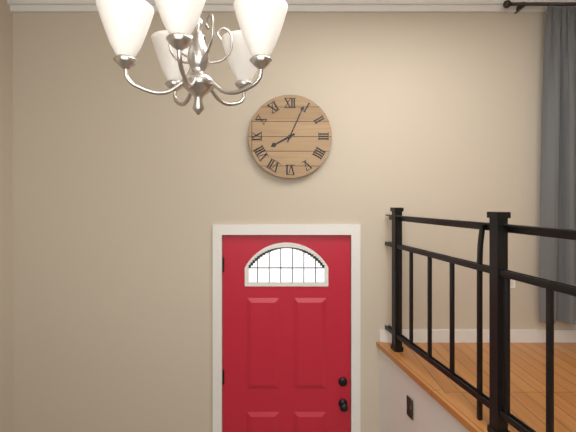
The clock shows 8:04
